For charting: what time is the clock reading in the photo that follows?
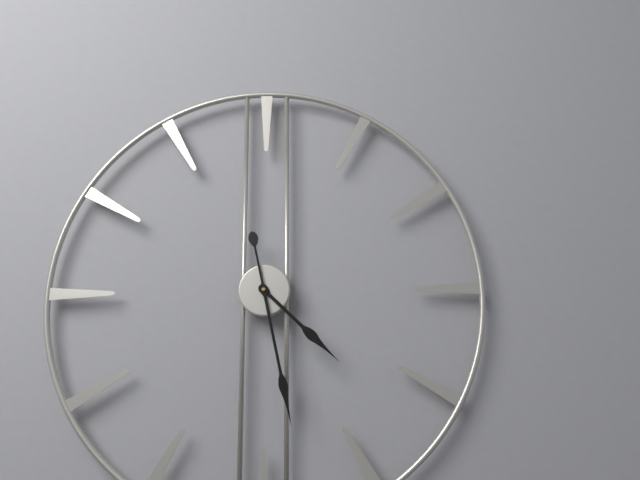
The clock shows 4:28
